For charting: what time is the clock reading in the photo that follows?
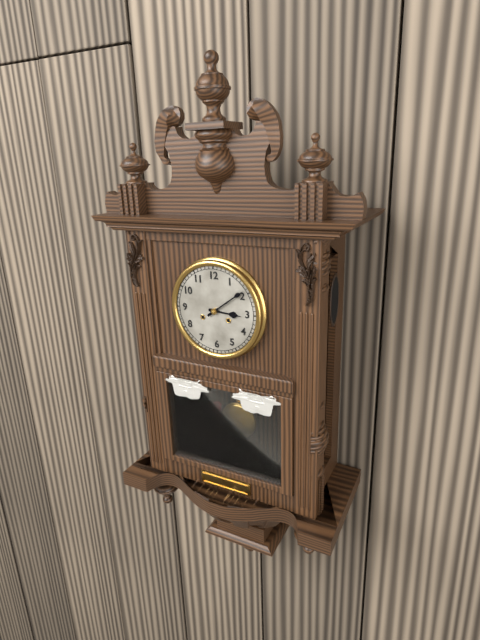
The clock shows 3:09
